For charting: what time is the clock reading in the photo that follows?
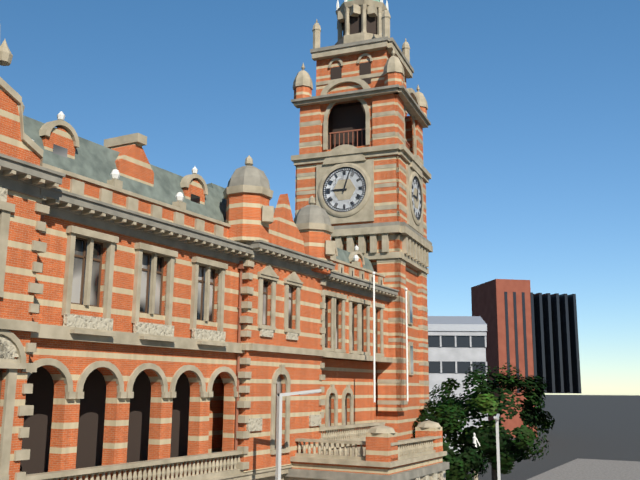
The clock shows 9:03
